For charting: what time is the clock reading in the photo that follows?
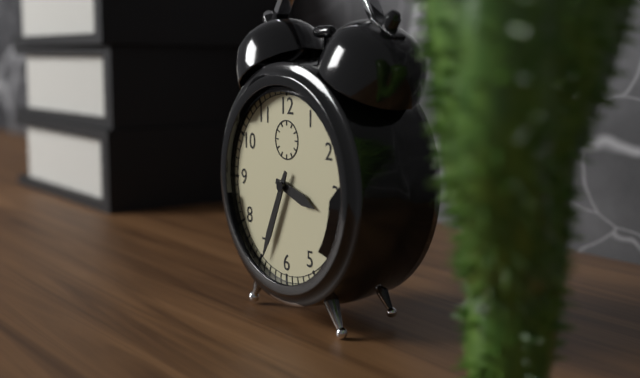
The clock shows 3:34
